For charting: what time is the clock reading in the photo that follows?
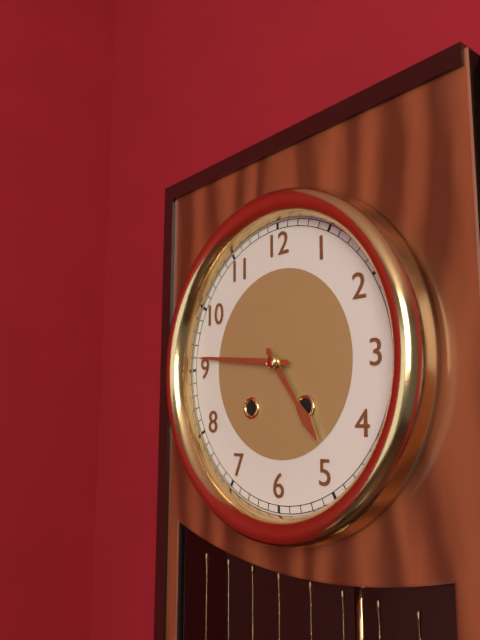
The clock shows 4:46
